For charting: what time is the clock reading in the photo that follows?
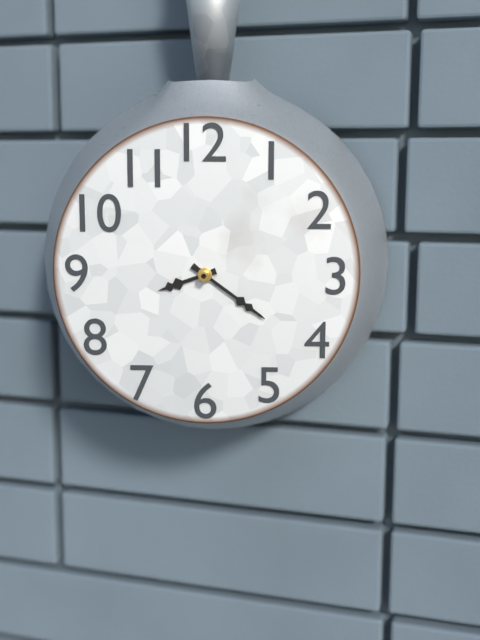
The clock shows 8:21
